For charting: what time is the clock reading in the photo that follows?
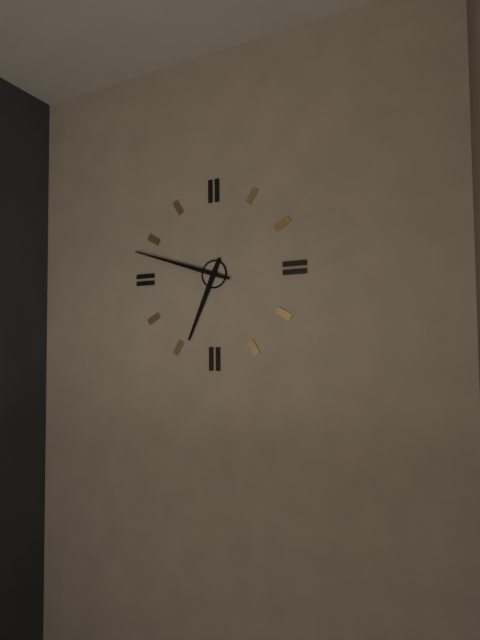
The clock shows 6:48
